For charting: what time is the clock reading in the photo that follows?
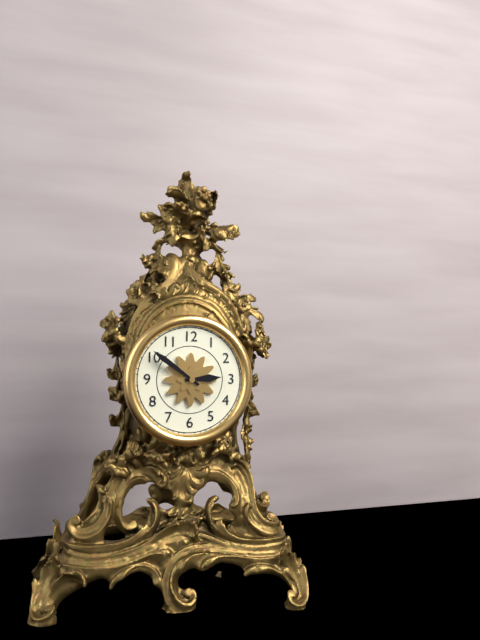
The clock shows 2:51
